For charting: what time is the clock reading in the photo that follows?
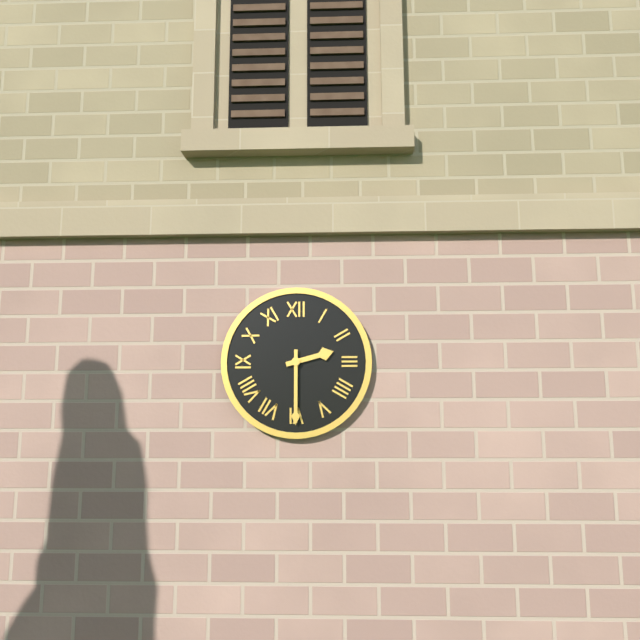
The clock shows 2:30
